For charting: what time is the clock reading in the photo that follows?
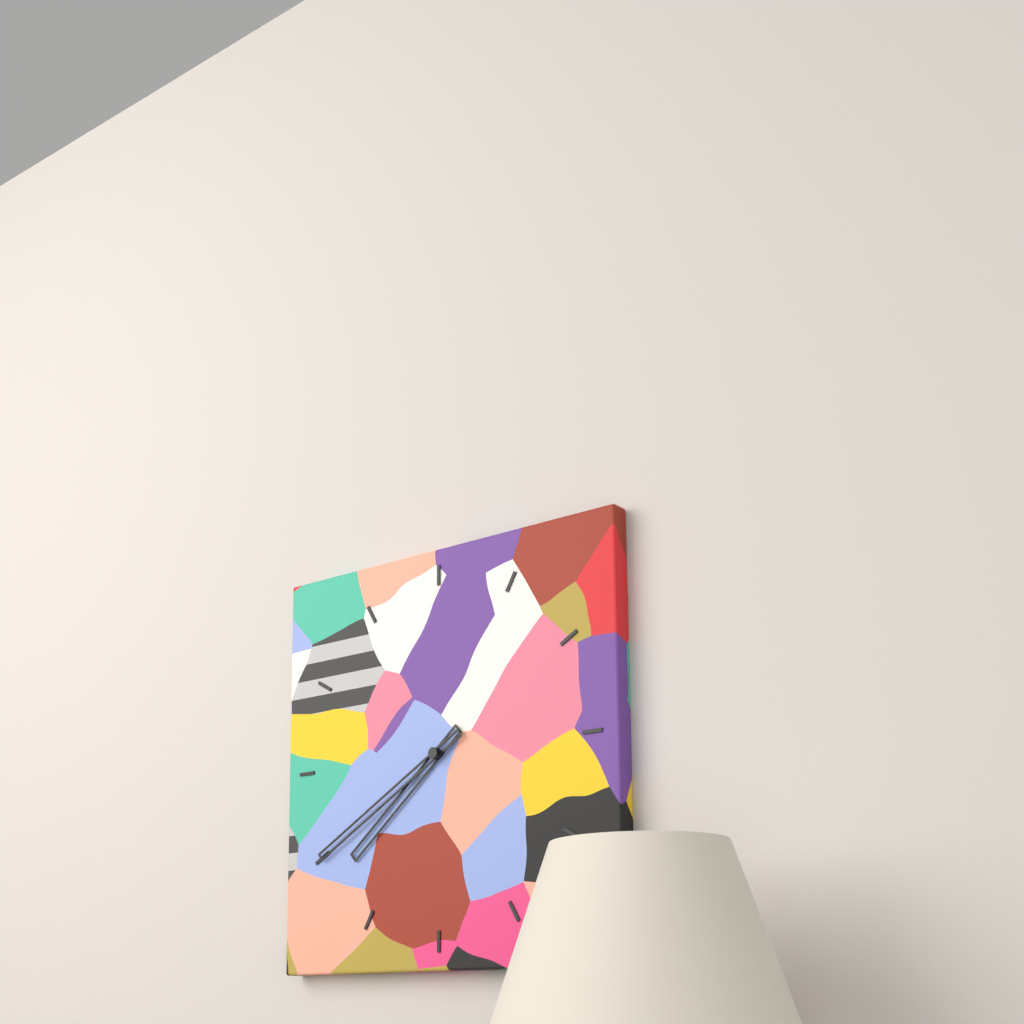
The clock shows 7:40
